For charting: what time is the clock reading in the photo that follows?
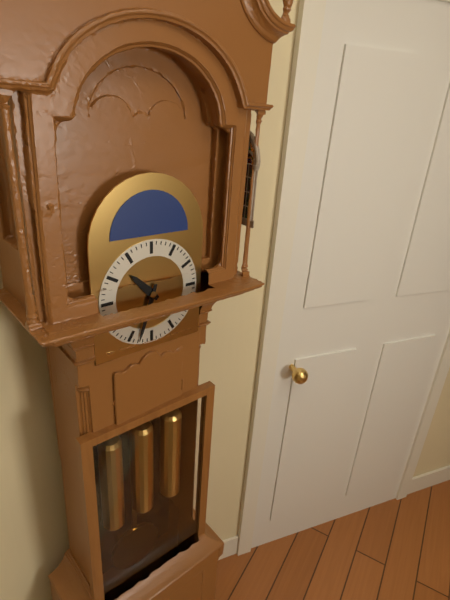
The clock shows 10:33
